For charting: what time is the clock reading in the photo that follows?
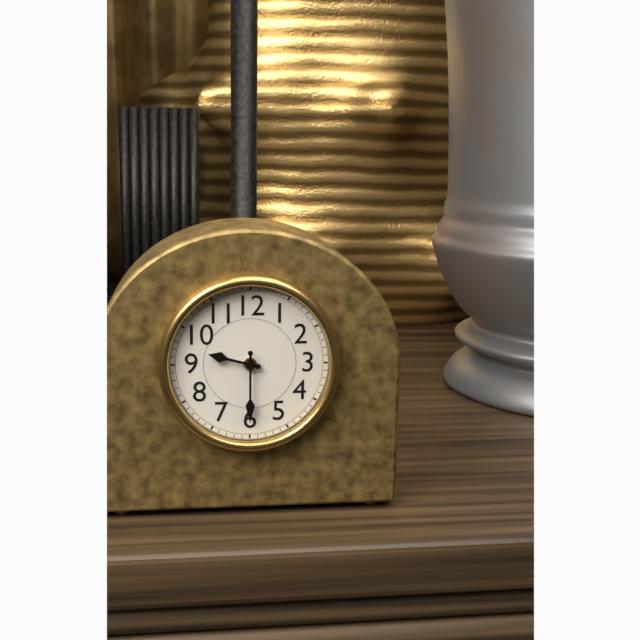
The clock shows 9:30
